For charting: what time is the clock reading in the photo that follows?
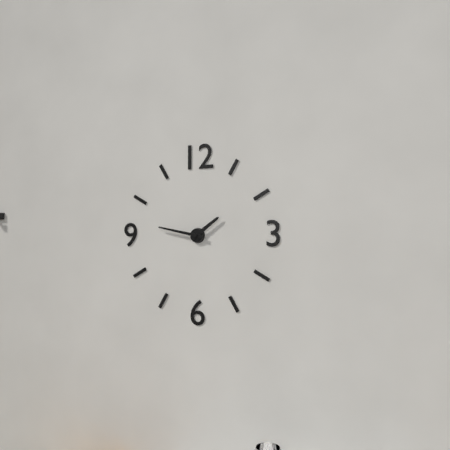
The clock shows 1:47
